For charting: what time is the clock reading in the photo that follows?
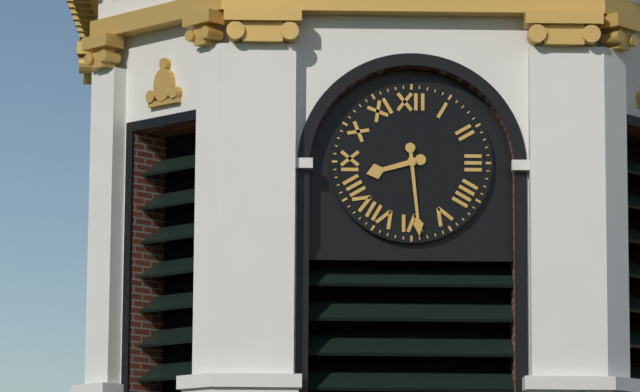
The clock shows 8:29
